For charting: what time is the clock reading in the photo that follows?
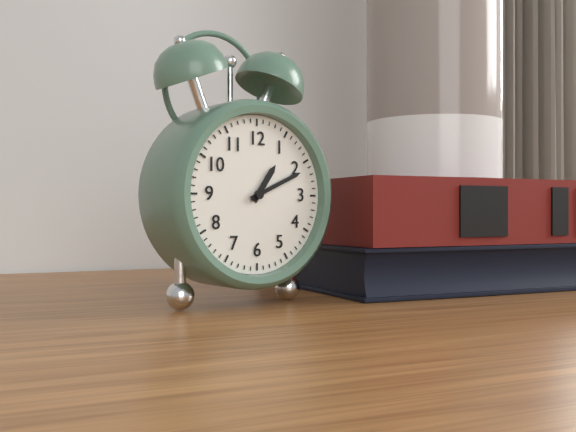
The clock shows 1:11
